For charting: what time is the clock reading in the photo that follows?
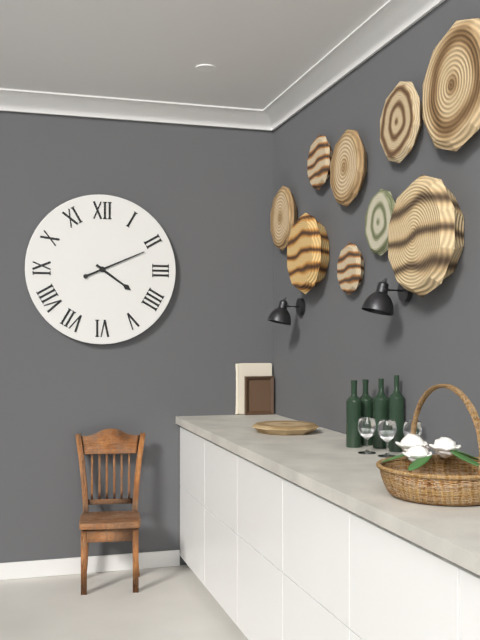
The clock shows 4:11
